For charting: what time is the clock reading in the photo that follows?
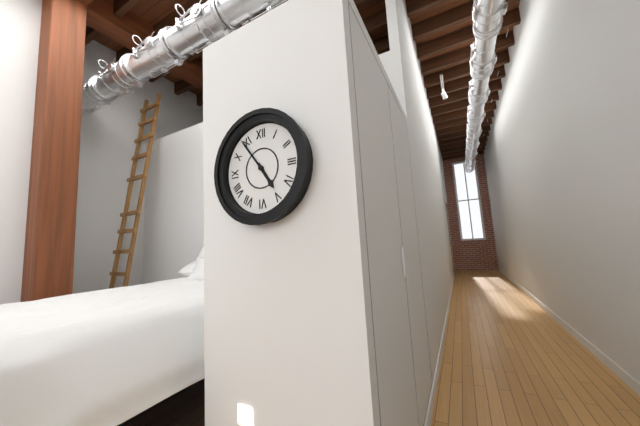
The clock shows 4:54
